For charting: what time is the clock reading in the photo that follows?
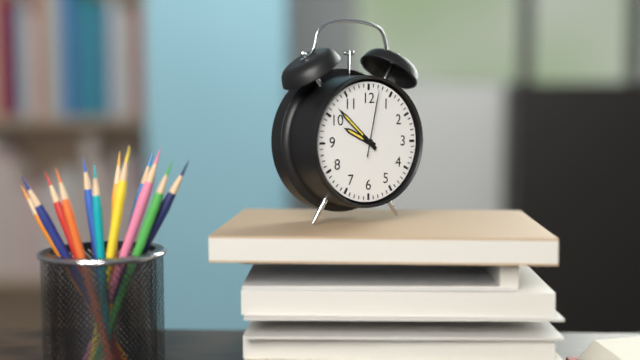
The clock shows 9:52:02
